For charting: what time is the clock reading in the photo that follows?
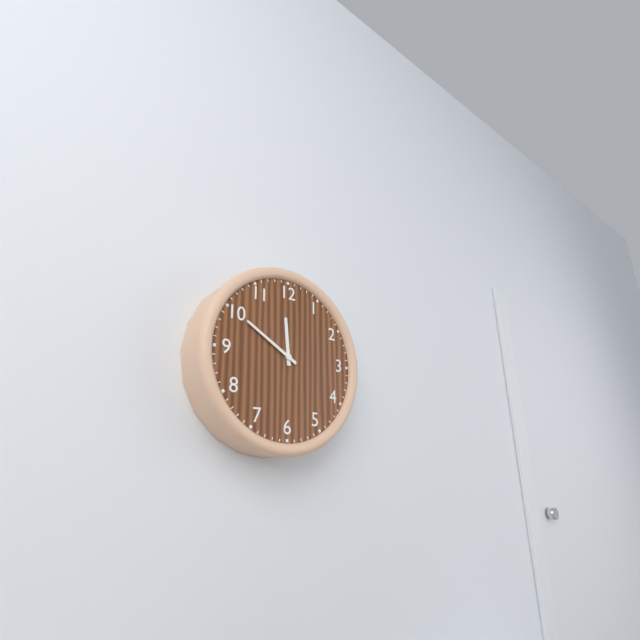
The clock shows 11:50
